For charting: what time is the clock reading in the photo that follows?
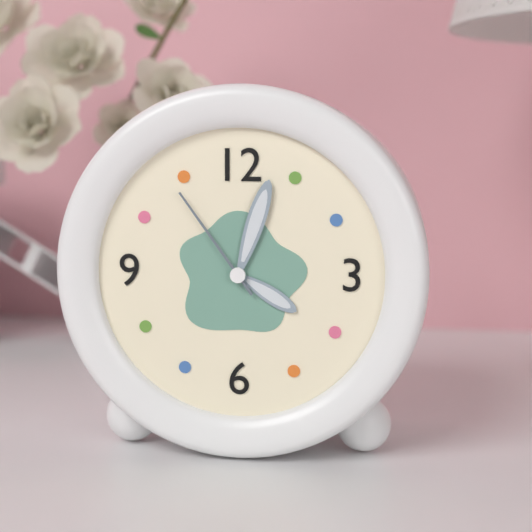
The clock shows 4:03:54
